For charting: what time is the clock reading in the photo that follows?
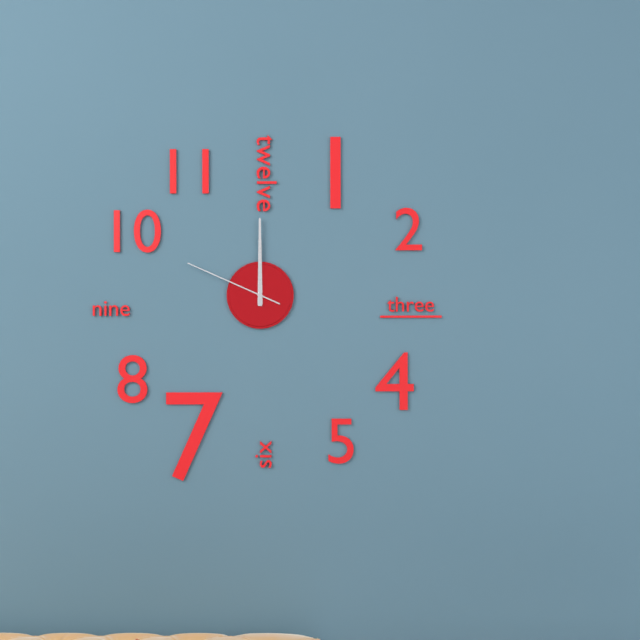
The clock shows 12:00:49
